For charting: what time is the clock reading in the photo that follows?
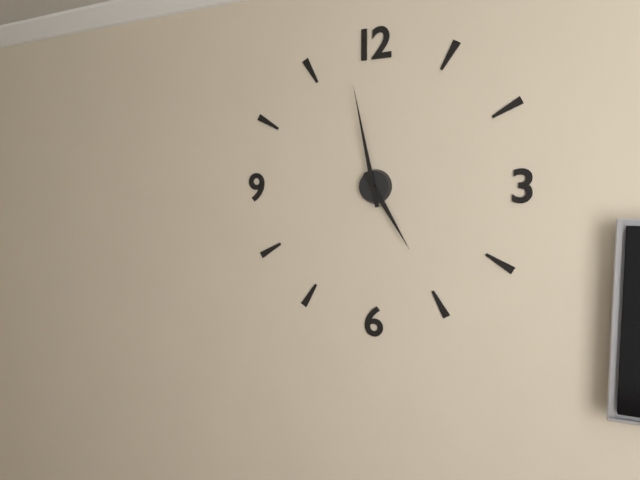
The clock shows 4:58
